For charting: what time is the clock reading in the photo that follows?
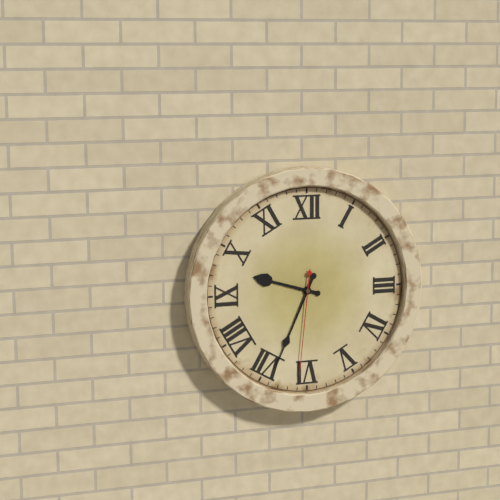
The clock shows 9:34:31
